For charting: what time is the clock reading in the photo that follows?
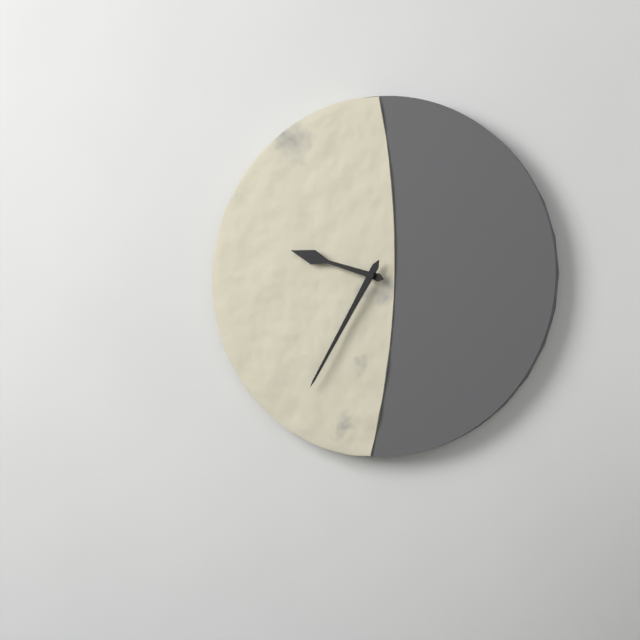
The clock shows 9:35
